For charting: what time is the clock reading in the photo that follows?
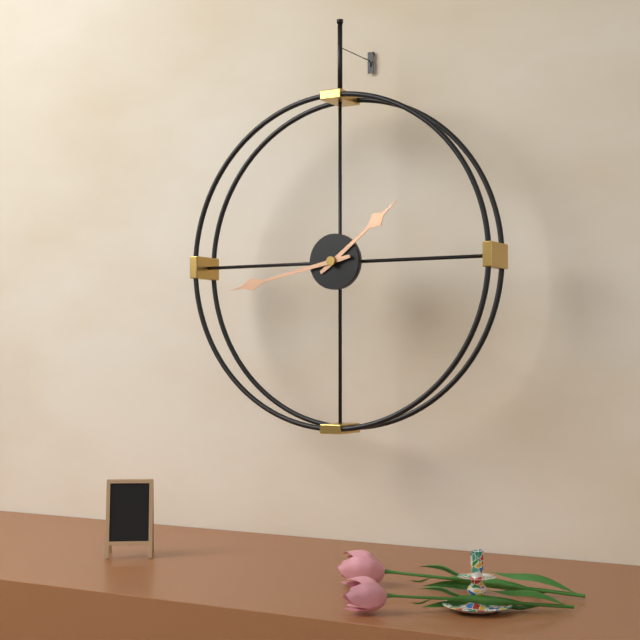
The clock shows 1:43
